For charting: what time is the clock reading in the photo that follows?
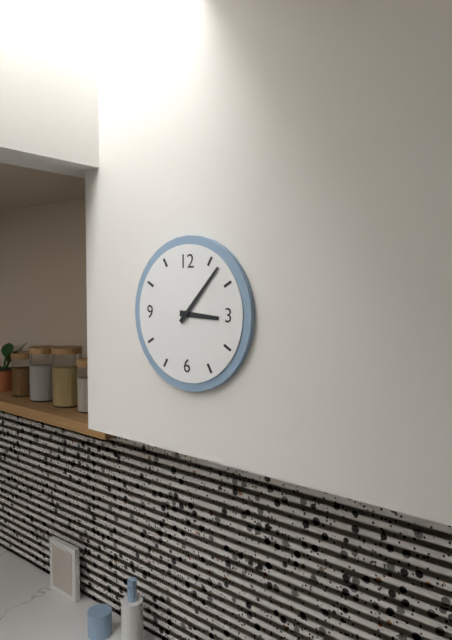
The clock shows 3:07
